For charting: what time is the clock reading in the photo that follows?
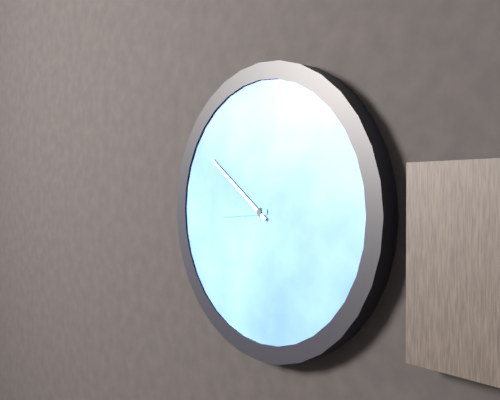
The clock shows 8:51
